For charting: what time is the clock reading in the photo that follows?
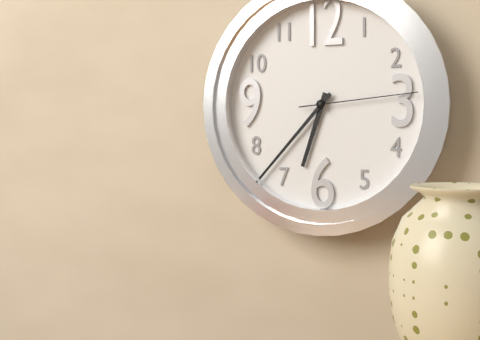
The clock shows 6:37:14
